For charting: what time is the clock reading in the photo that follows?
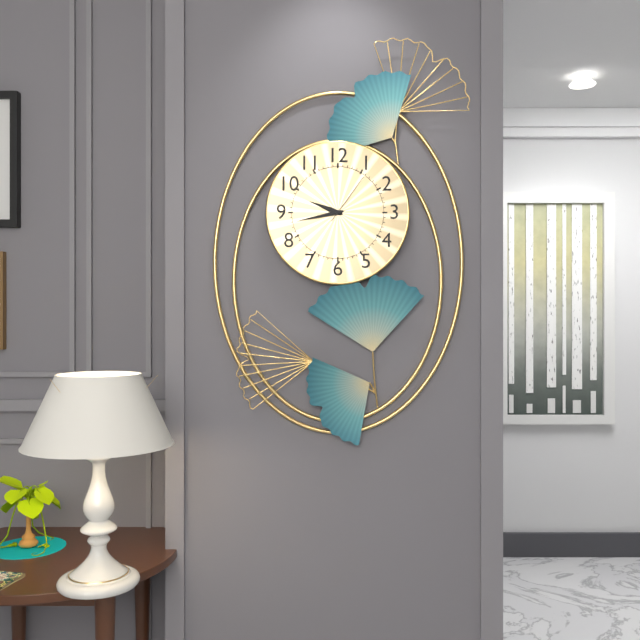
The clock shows 9:43:06
